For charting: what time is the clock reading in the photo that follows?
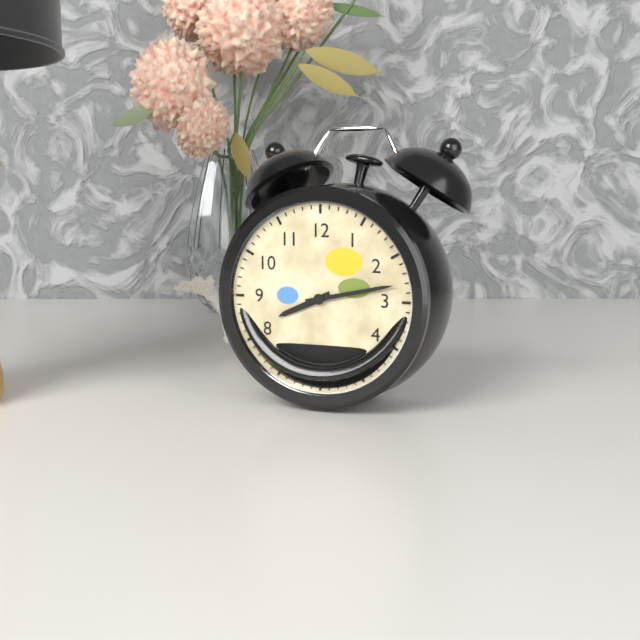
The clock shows 8:13
